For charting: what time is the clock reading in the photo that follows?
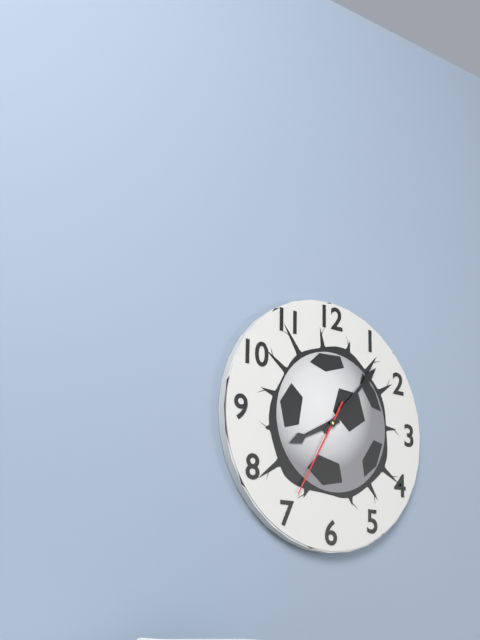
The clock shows 8:07:35
